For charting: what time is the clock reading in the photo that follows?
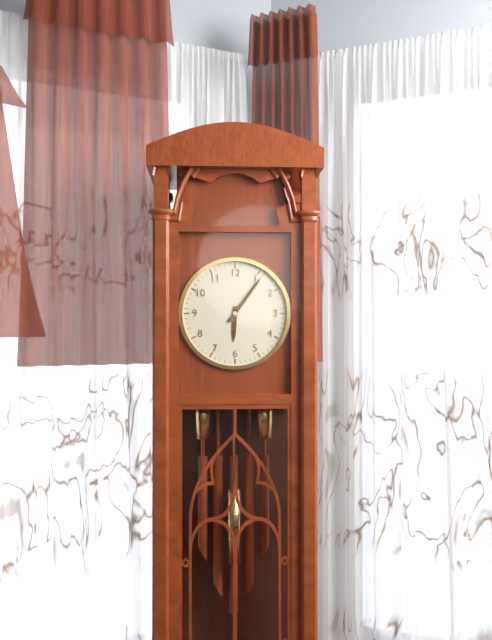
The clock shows 6:06
